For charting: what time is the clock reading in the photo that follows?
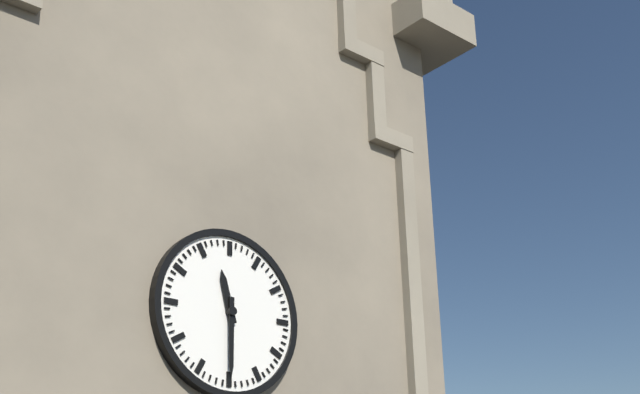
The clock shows 11:30
